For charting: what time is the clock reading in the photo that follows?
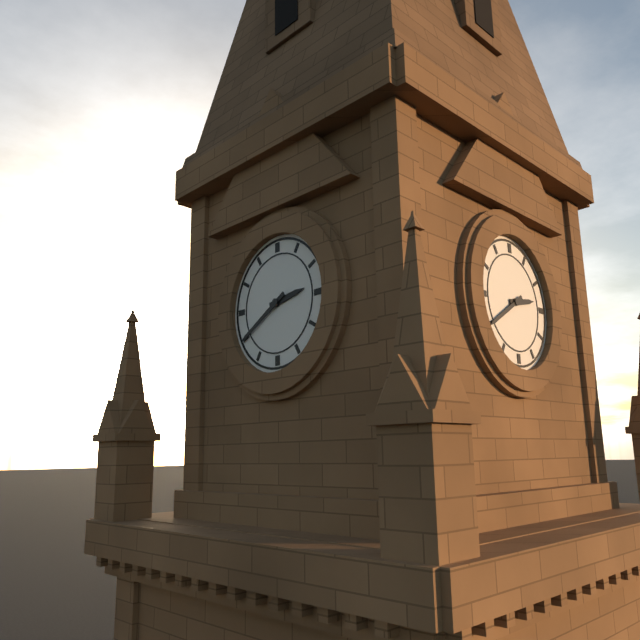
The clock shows 2:40
